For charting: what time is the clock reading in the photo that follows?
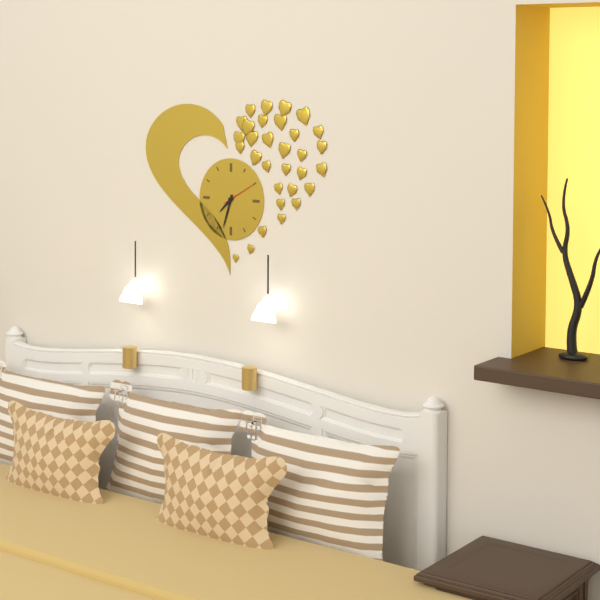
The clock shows 7:33
